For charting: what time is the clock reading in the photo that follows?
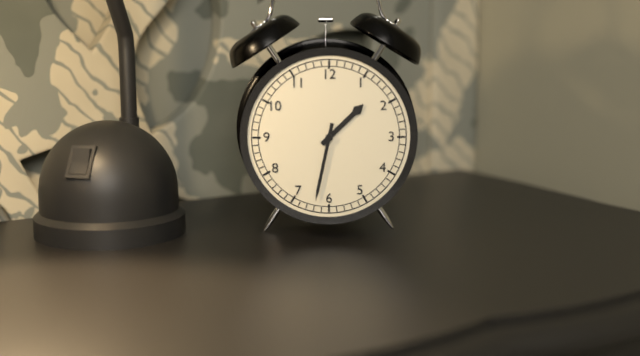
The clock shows 1:32
